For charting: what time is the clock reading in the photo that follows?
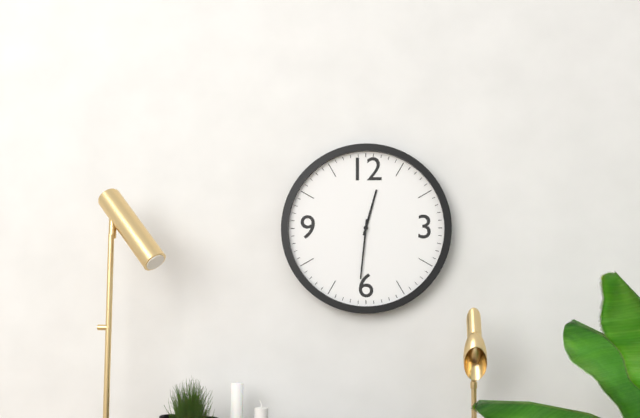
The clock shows 12:31
